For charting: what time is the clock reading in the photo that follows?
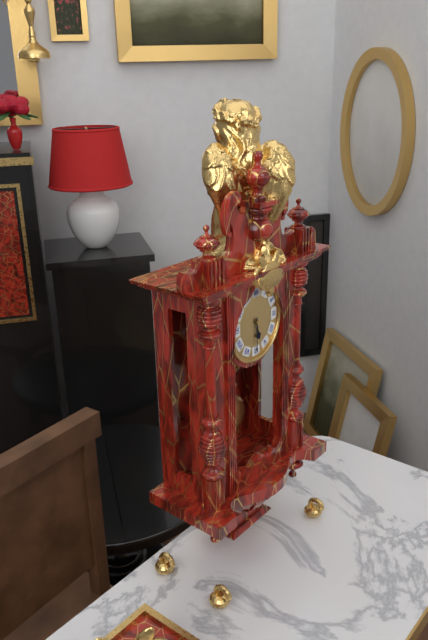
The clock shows 5:30
